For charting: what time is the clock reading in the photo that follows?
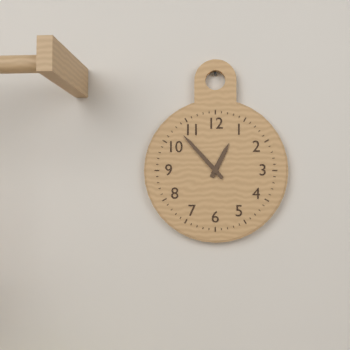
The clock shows 12:53
